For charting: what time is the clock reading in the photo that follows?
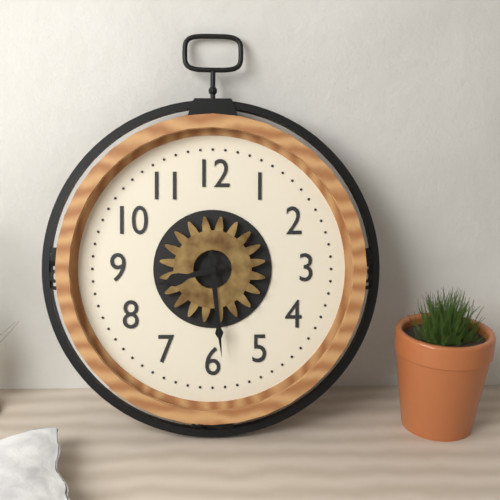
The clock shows 8:29
